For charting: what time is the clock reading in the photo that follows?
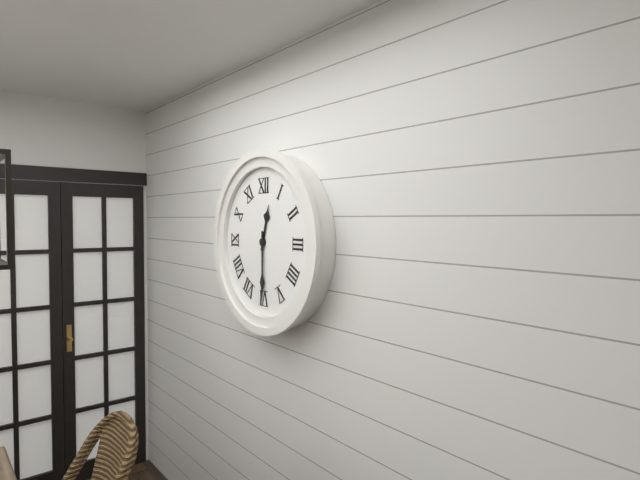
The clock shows 12:30
